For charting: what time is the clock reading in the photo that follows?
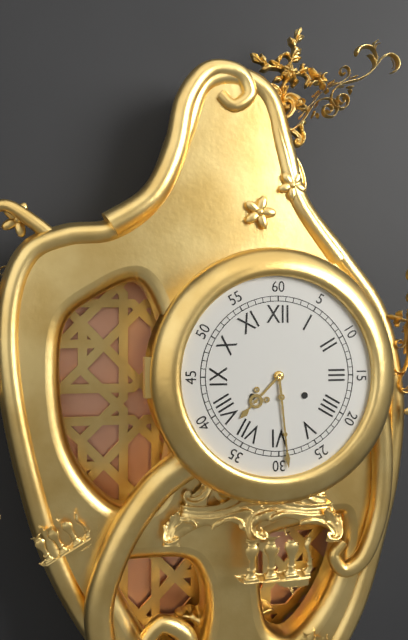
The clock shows 7:29
